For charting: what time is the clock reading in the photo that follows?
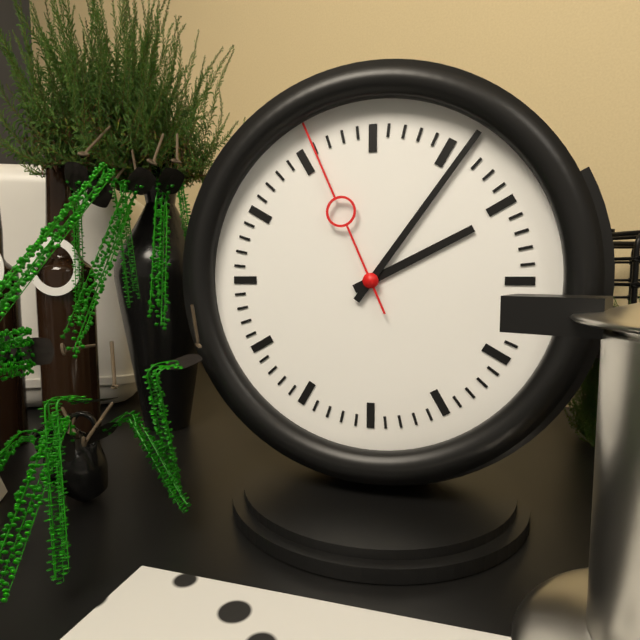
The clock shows 2:06:56
